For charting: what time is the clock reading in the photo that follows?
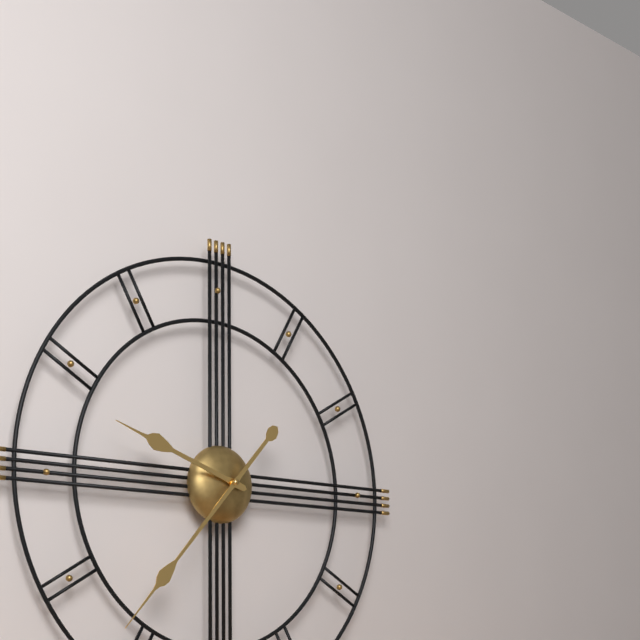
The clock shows 9:37
